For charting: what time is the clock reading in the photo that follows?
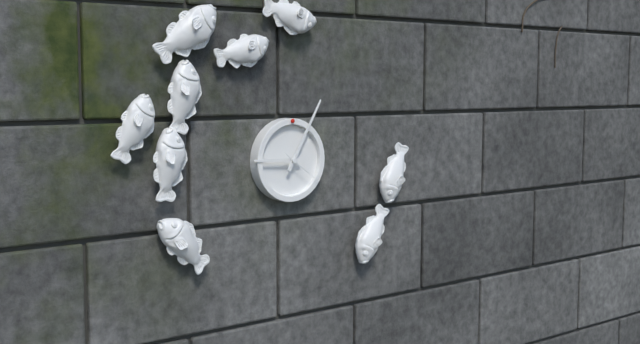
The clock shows 9:05
